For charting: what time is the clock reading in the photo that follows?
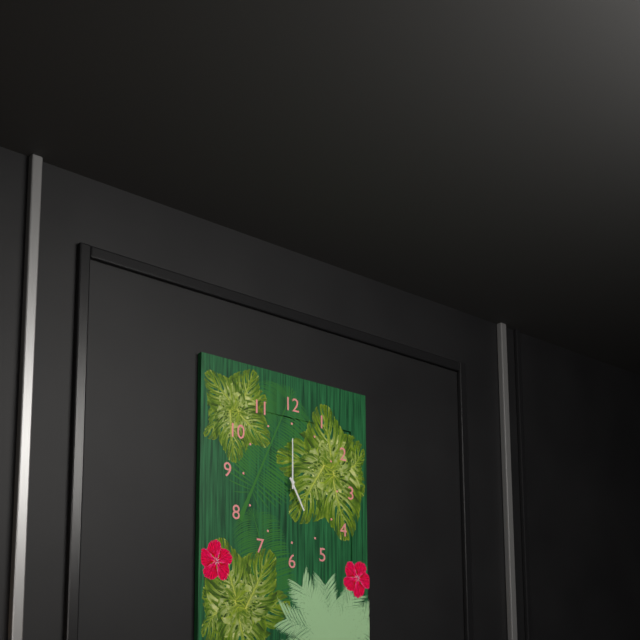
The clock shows 5:00
